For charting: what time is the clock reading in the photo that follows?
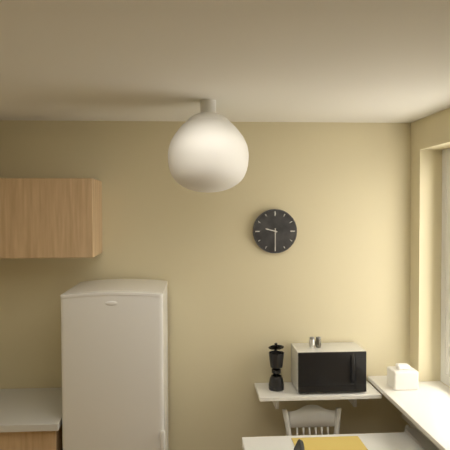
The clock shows 9:30
